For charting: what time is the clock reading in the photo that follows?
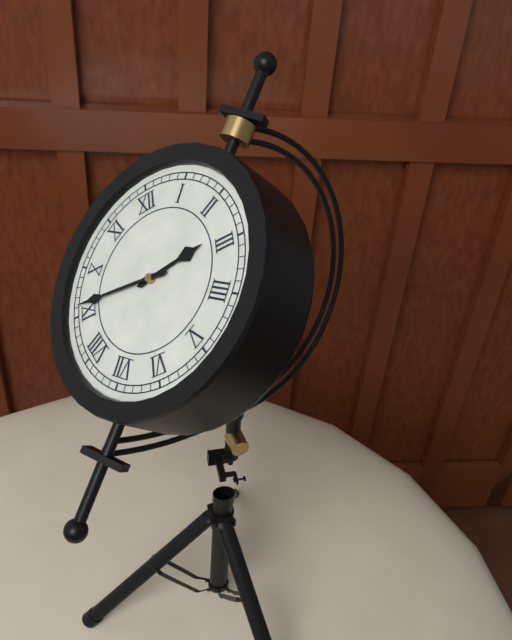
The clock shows 2:46
